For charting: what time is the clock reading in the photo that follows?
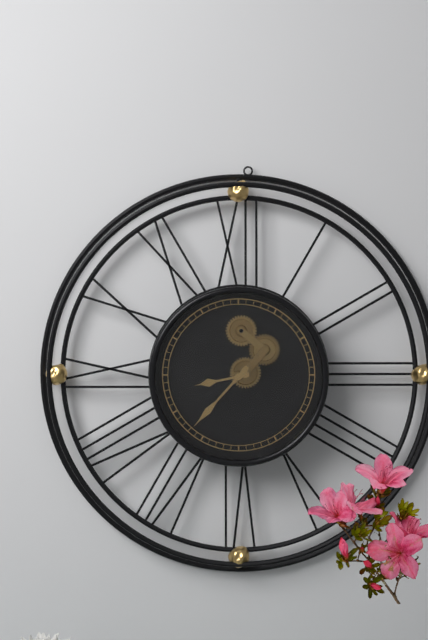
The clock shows 8:37
